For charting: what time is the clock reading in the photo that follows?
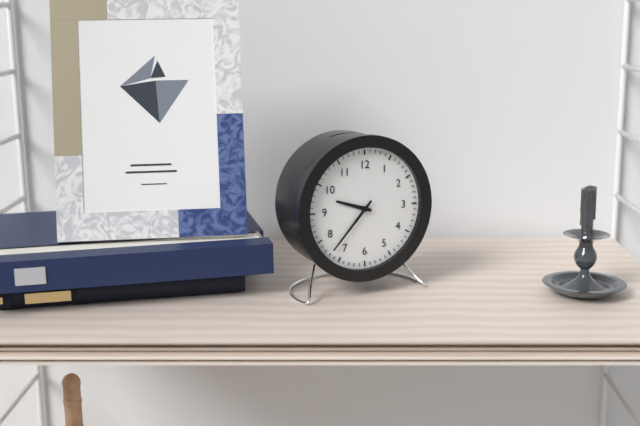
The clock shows 9:37
